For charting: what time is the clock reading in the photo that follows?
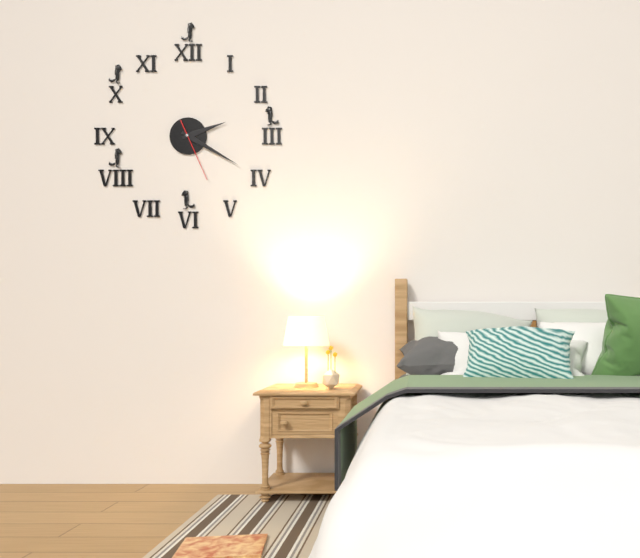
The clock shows 2:20:26
